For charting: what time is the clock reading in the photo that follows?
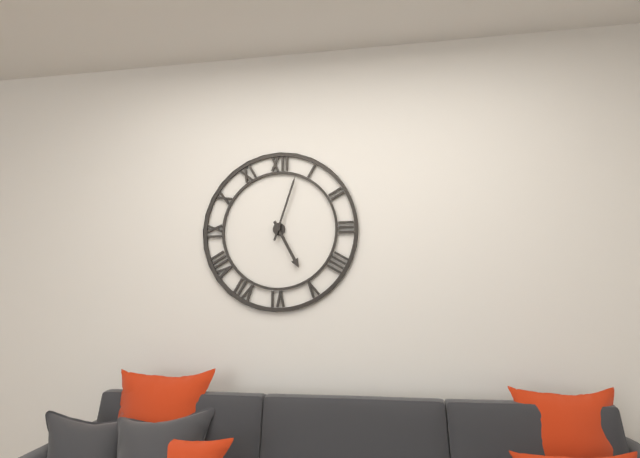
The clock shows 5:03
